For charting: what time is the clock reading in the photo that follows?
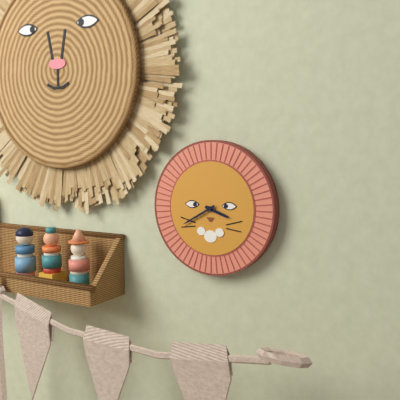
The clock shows 3:40
